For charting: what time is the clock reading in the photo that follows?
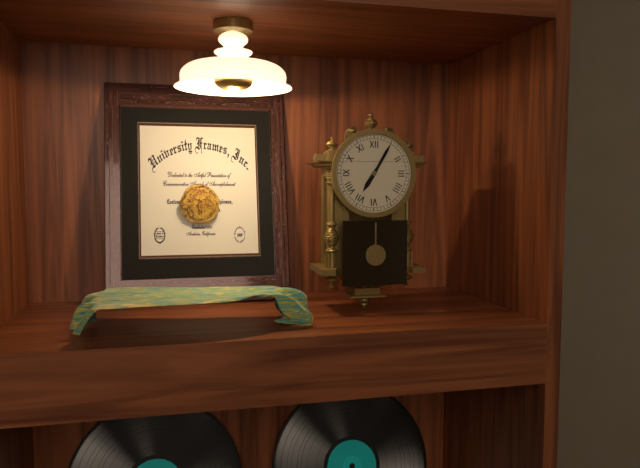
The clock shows 7:05
